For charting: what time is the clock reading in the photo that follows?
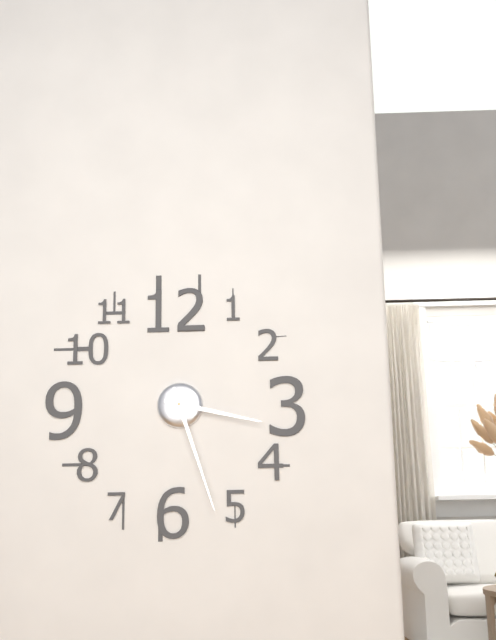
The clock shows 3:27
